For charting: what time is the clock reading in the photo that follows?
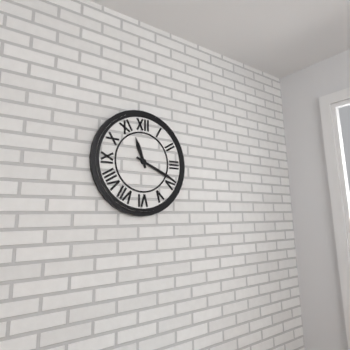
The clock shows 11:19
